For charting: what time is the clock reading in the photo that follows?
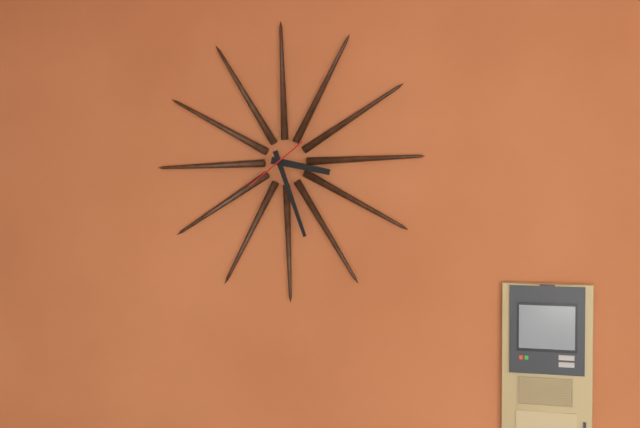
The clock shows 3:27
